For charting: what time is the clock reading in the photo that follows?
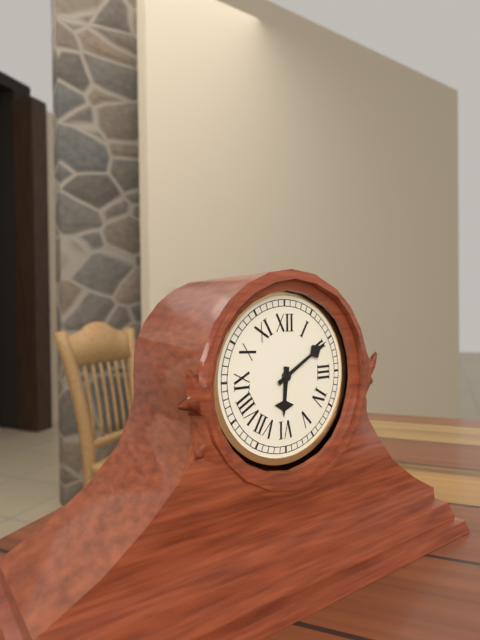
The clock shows 6:10
